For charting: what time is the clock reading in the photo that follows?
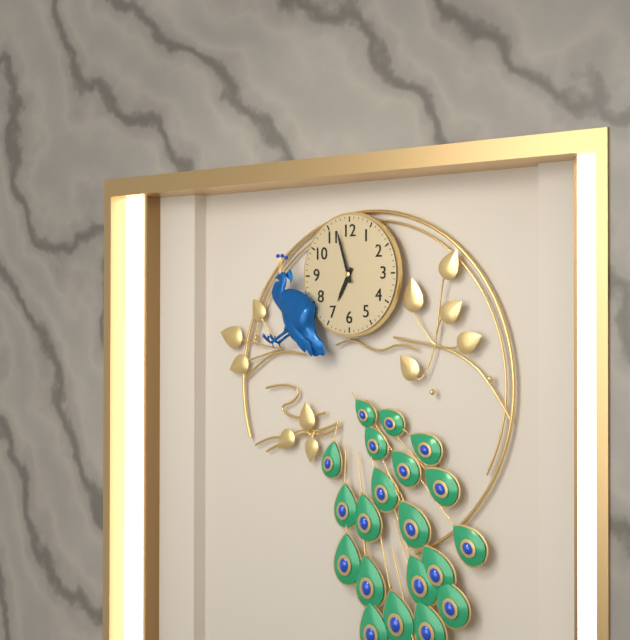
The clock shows 6:57
